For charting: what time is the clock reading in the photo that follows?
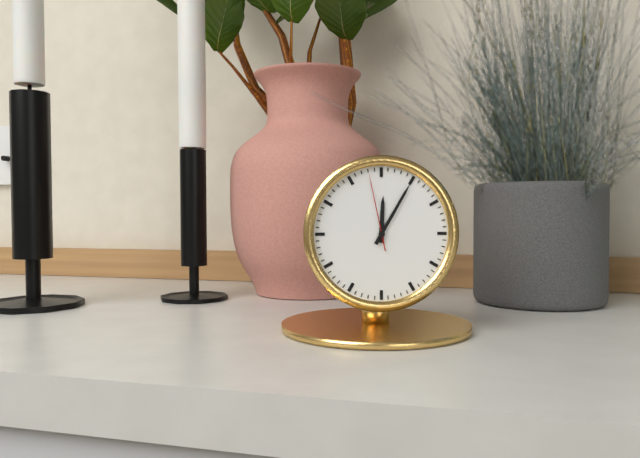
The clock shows 12:05:58
